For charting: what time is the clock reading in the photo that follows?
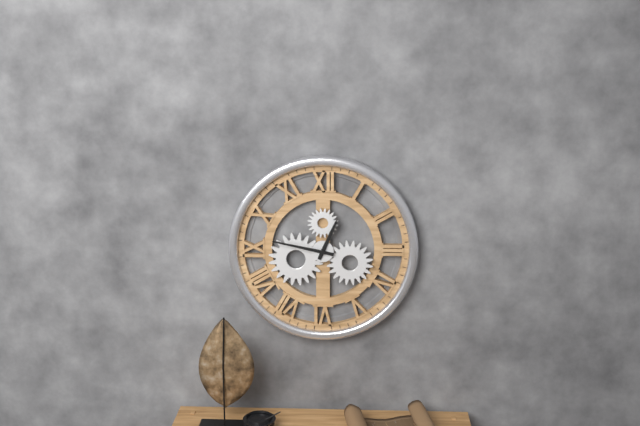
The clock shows 12:47
